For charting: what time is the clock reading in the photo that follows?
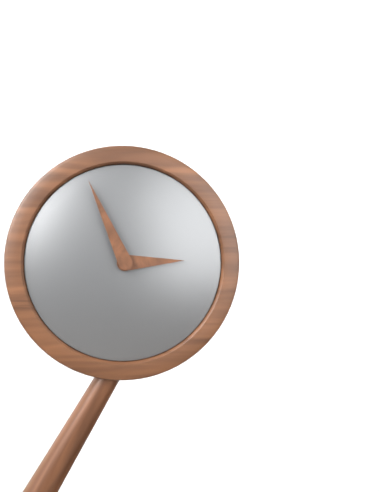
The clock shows 2:56
